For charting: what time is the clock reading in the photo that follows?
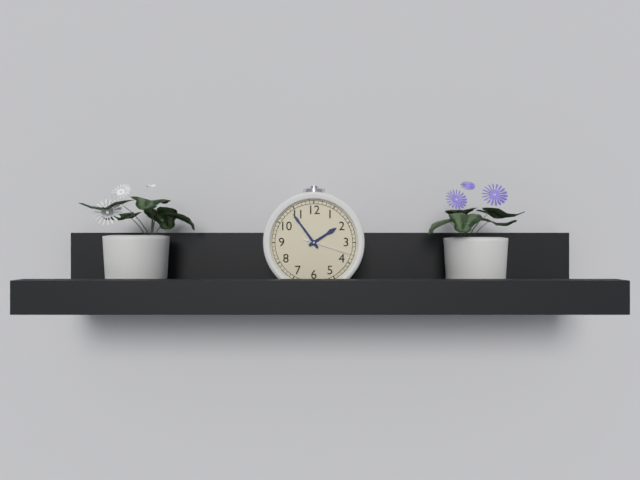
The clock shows 1:54
